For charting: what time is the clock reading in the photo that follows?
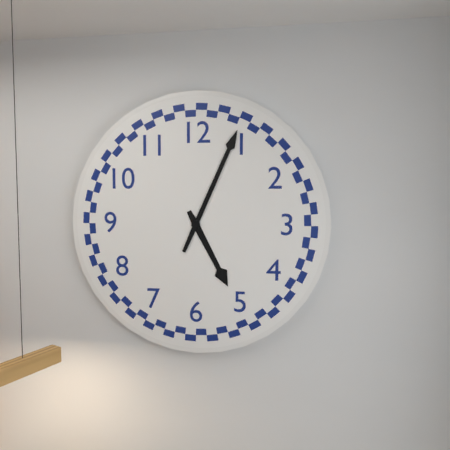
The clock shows 5:04
